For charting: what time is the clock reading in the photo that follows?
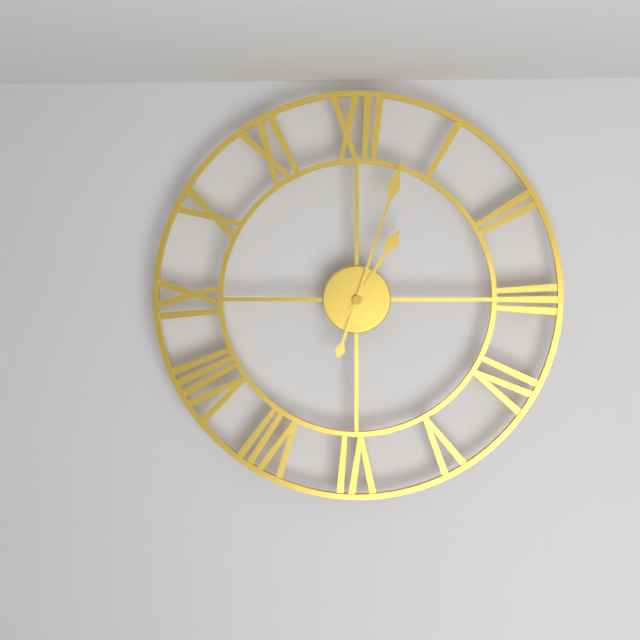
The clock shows 1:03
